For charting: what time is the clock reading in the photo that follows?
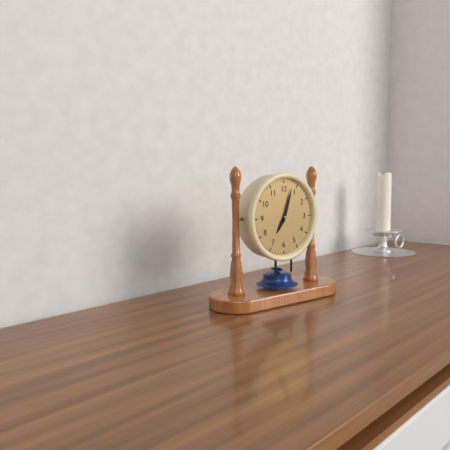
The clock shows 7:03
